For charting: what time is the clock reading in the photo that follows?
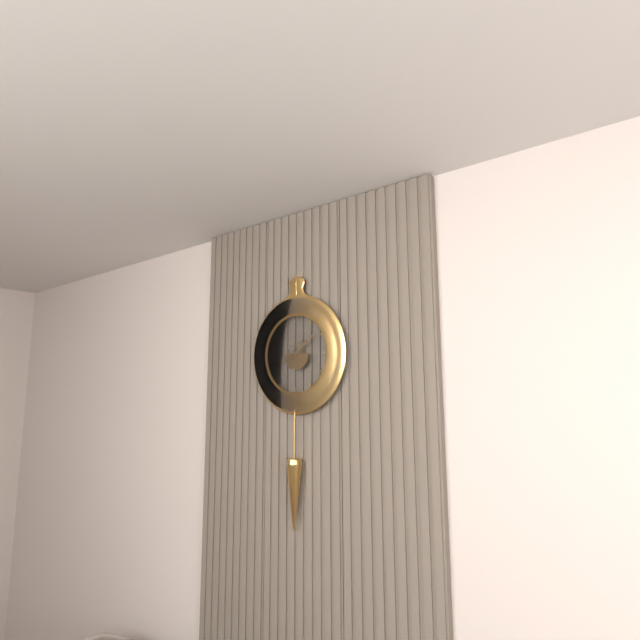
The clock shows 1:41
